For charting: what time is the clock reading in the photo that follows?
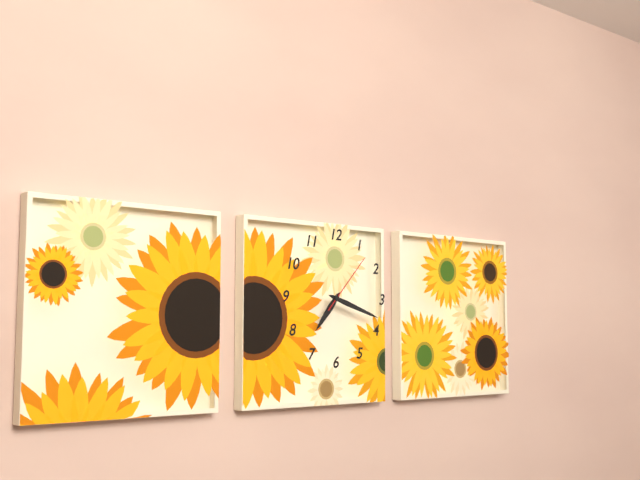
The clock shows 7:18:07
